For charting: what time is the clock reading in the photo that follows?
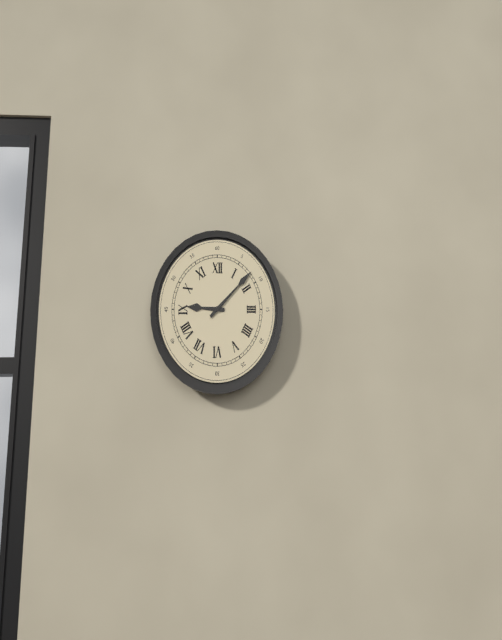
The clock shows 9:08
